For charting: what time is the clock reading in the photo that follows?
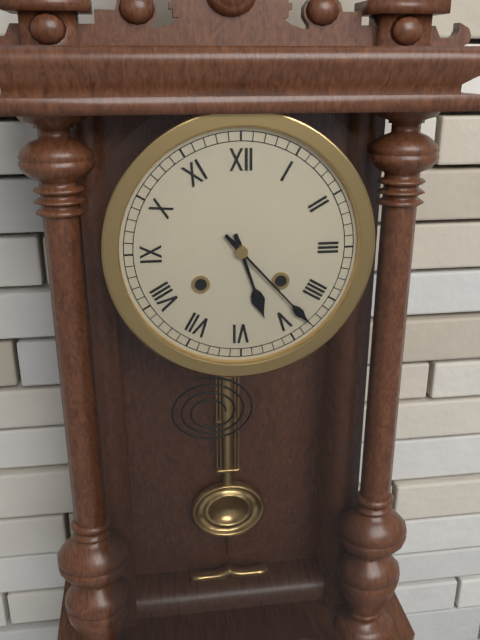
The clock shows 5:23
